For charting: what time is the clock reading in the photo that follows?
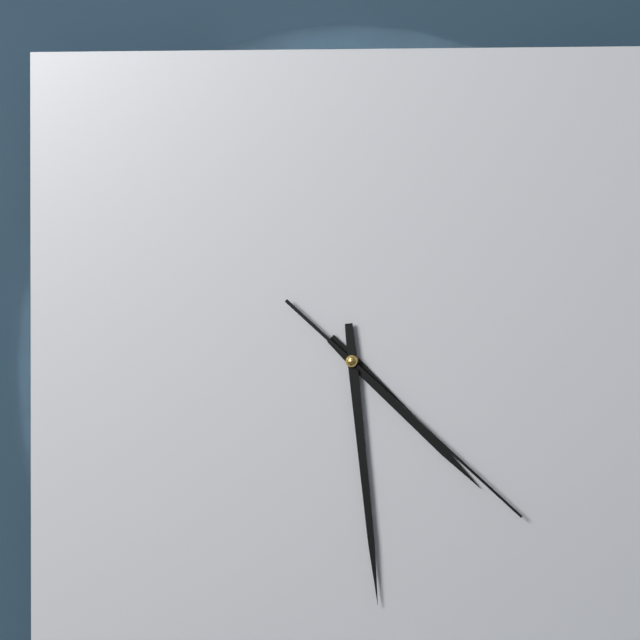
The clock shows 4:29:22
